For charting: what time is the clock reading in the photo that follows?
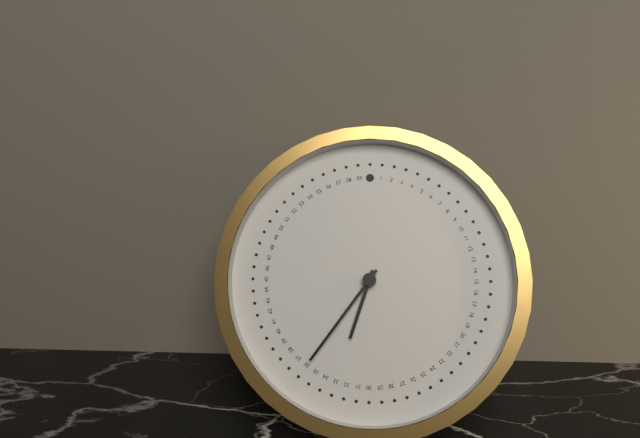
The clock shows 6:36
